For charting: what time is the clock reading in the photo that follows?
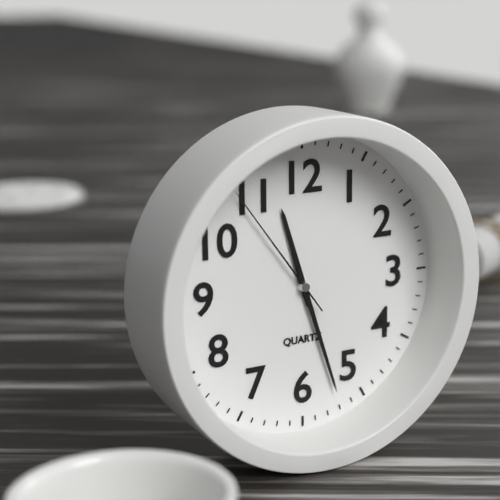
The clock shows 11:27:54
